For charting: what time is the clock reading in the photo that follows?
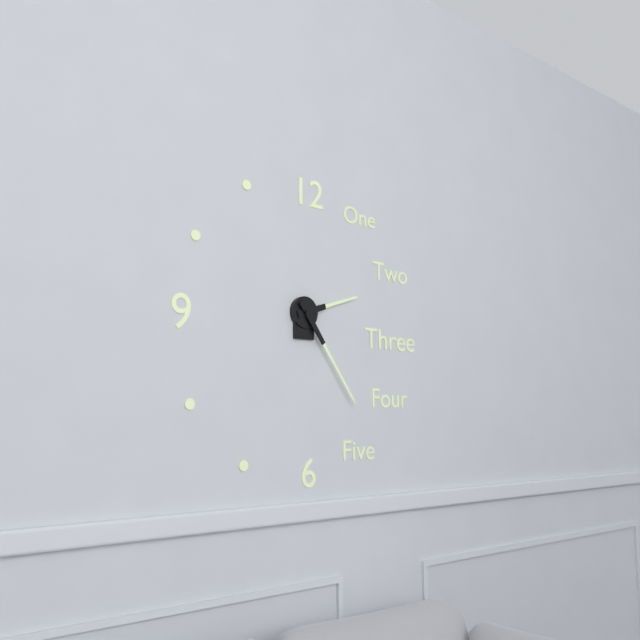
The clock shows 2:24
